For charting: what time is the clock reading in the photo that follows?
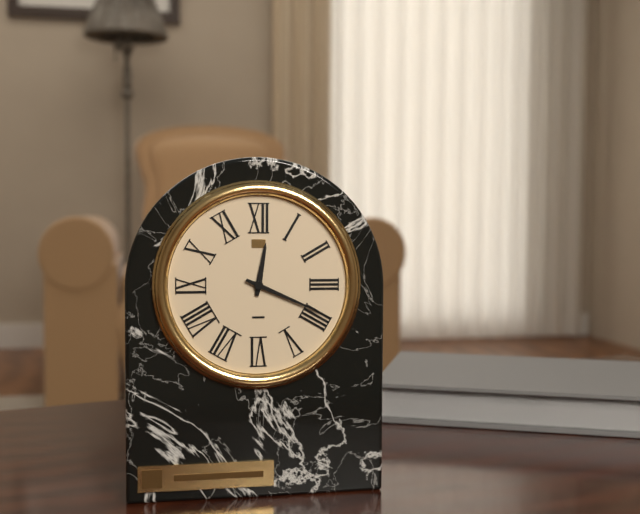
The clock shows 12:19
